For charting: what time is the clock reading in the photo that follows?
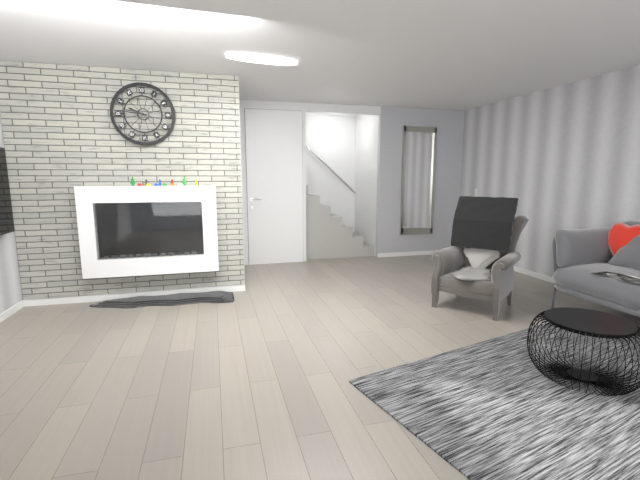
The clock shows 9:46
